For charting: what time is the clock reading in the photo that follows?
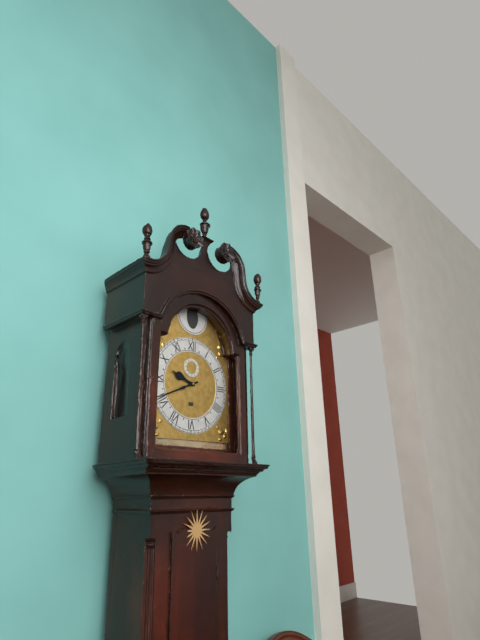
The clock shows 9:41
